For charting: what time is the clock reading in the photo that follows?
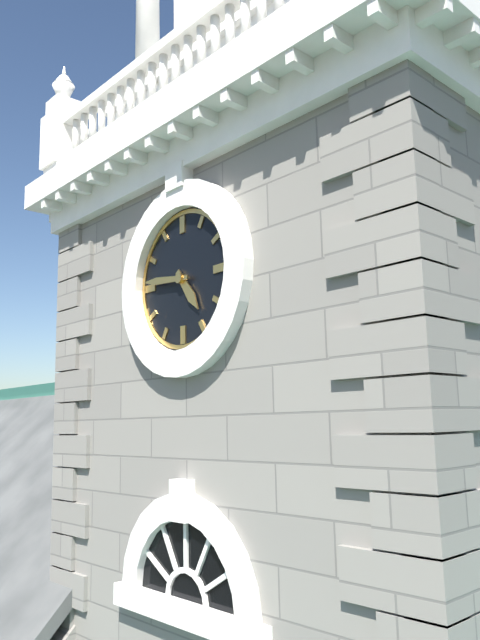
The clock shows 4:46
